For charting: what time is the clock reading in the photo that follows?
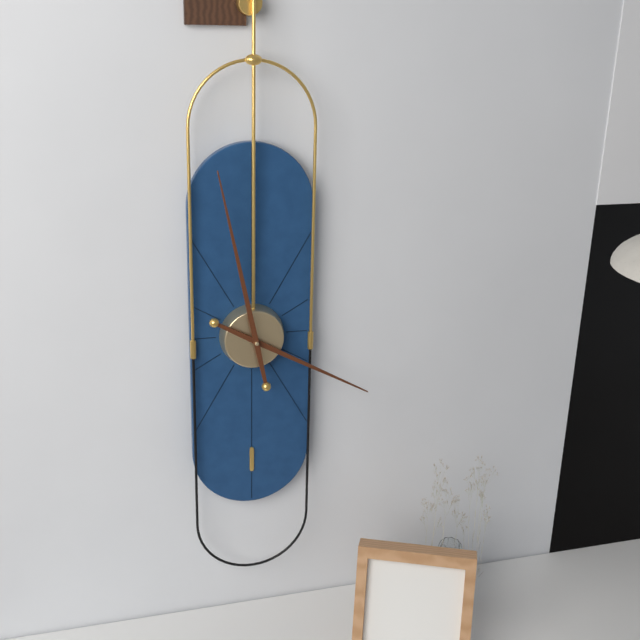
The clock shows 3:58
